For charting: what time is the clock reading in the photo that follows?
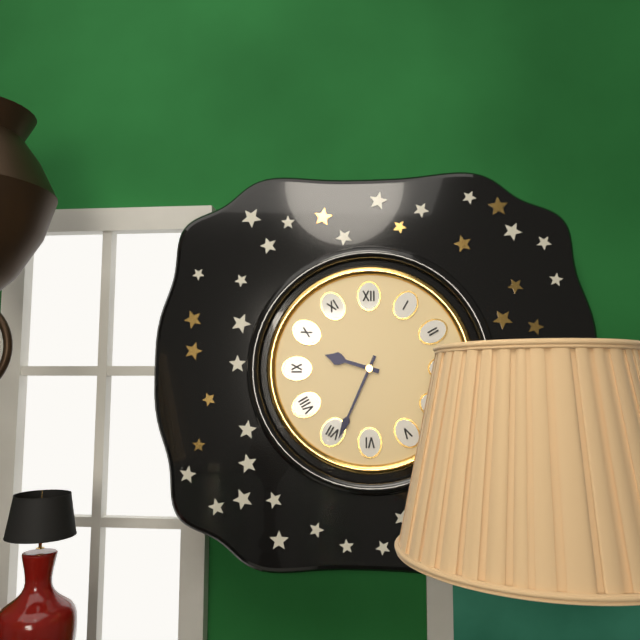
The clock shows 9:34
